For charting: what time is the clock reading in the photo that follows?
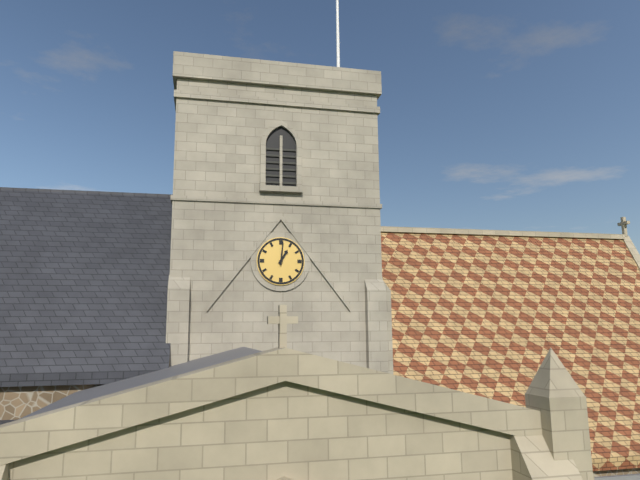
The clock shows 1:01
